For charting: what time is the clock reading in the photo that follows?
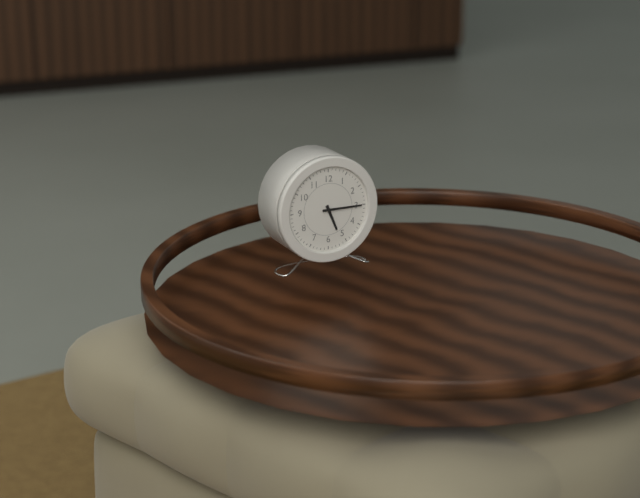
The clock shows 5:15
